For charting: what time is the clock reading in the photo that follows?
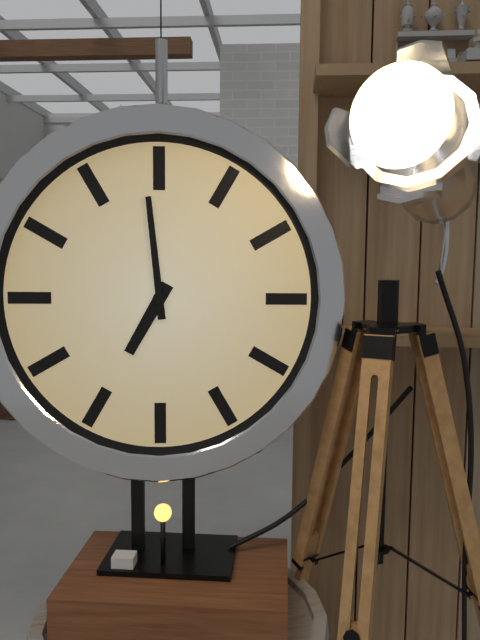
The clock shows 6:59
